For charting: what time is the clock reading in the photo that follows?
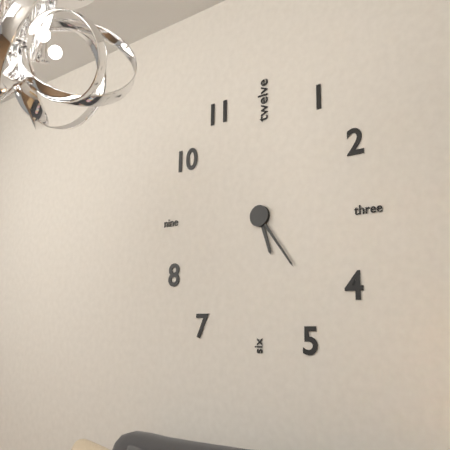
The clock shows 5:24
